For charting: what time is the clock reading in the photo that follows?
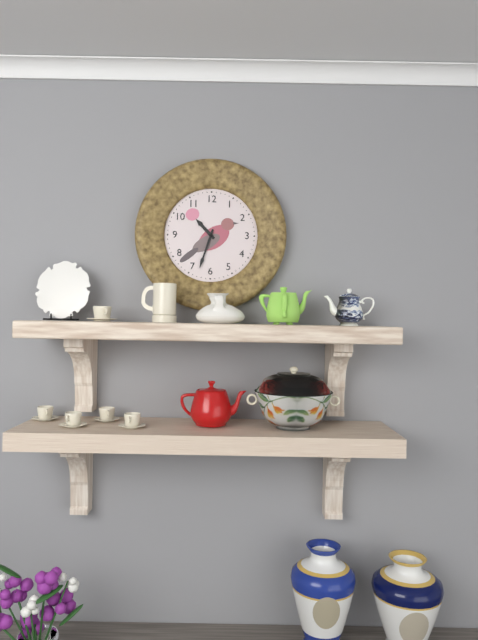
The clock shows 10:33
